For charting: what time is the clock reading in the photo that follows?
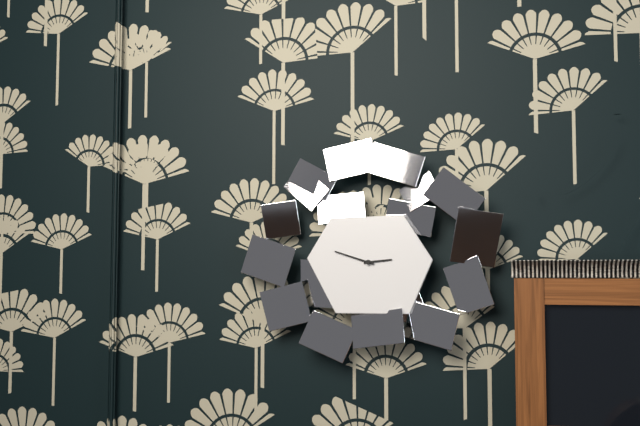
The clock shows 2:48
